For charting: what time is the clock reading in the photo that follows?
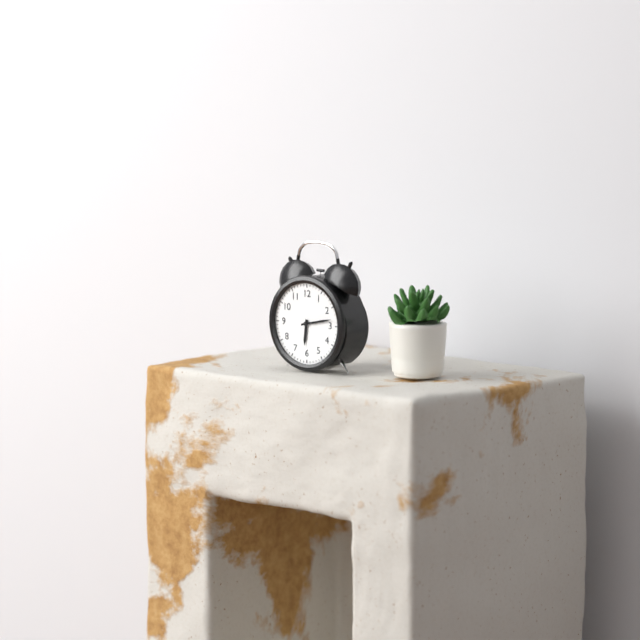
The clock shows 6:13
